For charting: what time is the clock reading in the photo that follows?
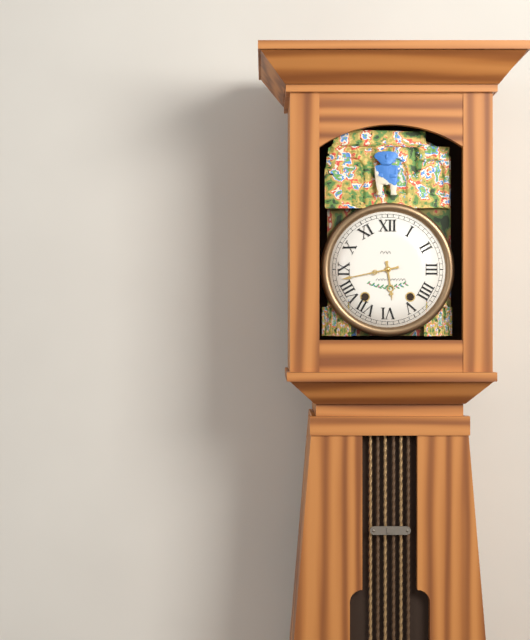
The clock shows 5:43
